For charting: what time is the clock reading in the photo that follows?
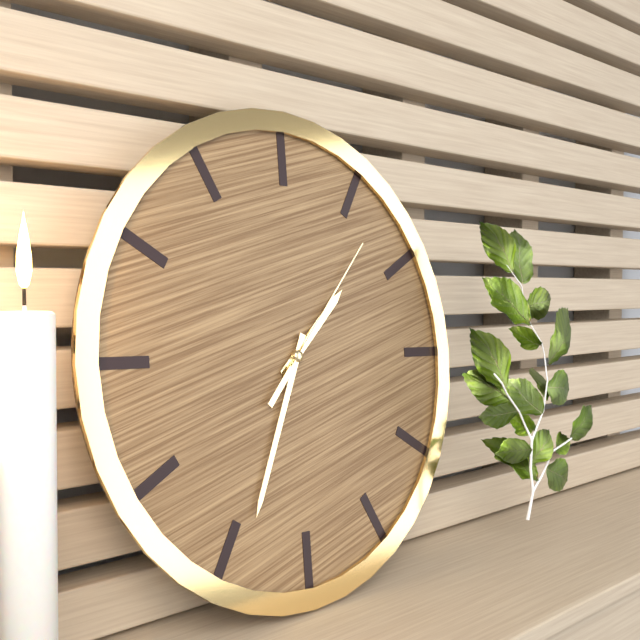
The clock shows 1:34:07
